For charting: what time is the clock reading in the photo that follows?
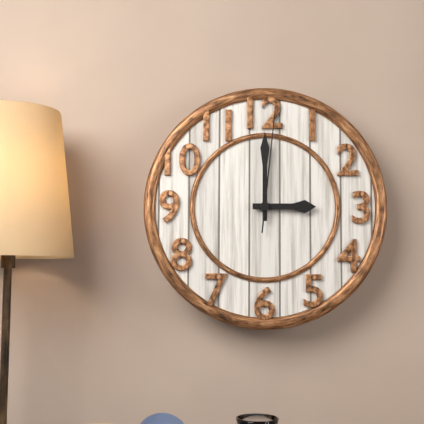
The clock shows 3:00:01
